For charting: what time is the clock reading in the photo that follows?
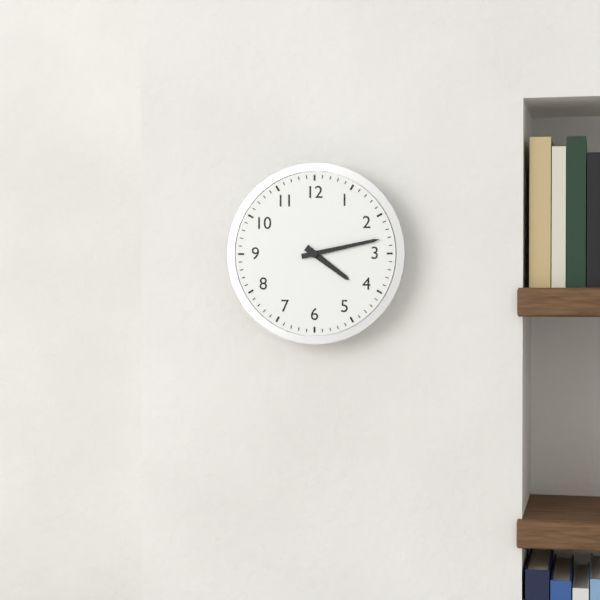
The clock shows 4:13
